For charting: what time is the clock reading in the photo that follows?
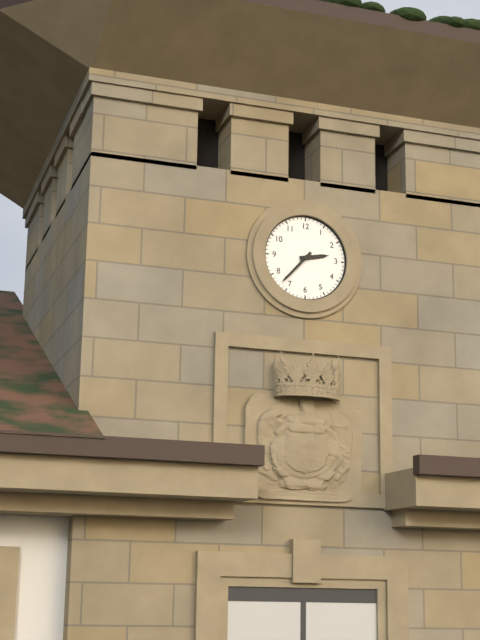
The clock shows 2:37
